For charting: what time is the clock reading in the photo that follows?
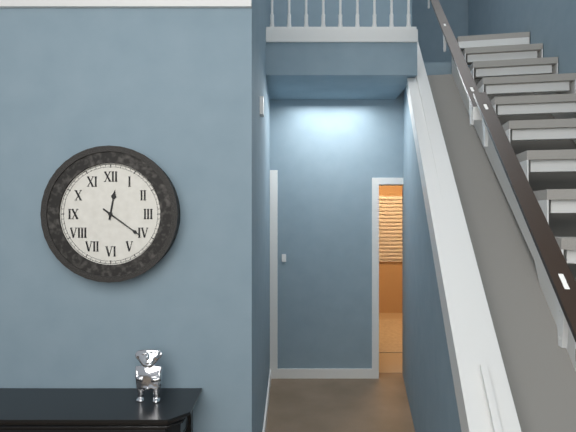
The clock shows 12:21
